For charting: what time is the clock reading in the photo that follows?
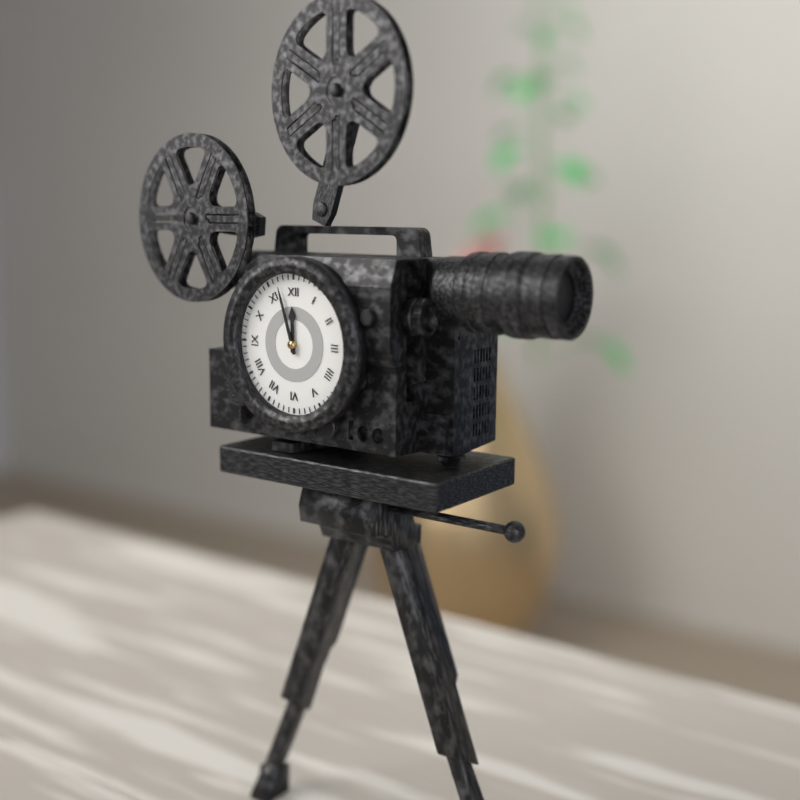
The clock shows 11:57
